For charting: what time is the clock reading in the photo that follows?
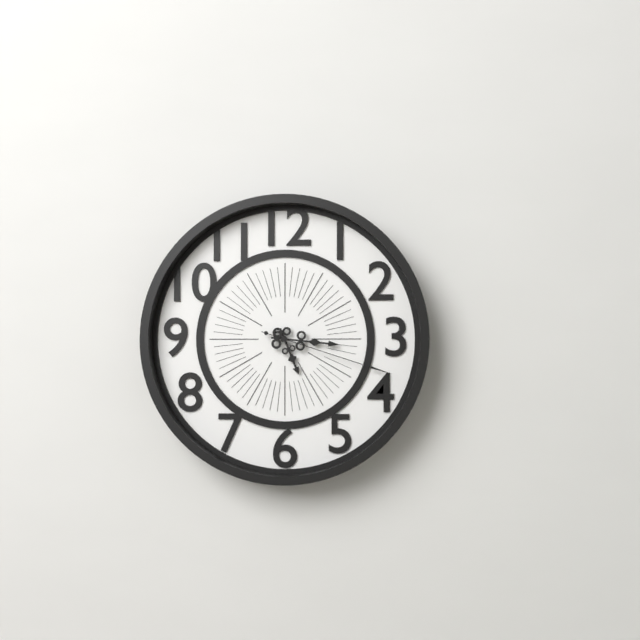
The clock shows 5:16:18
